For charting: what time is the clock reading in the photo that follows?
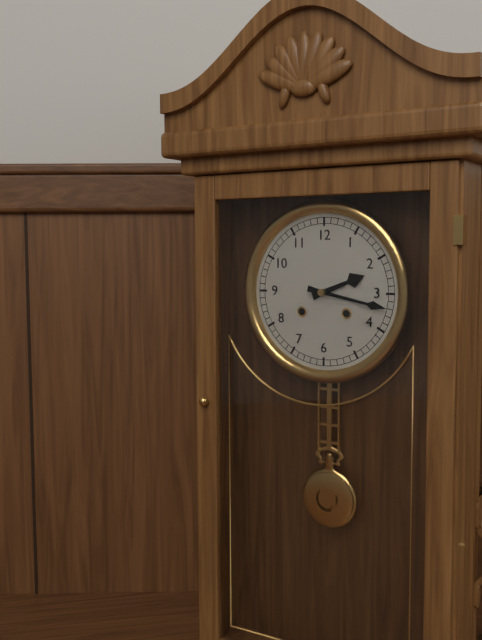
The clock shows 2:17
